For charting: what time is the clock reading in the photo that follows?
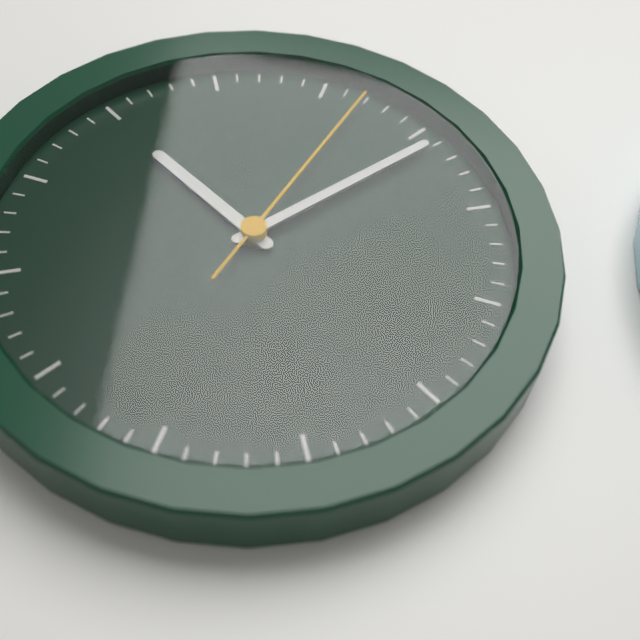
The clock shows 7:56:52
